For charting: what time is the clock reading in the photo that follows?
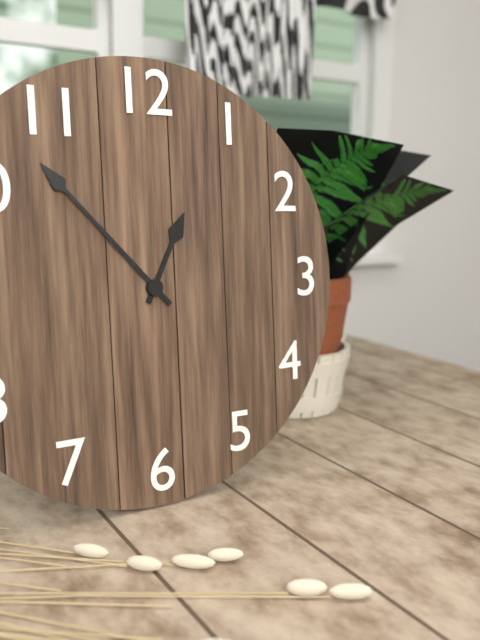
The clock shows 12:53
